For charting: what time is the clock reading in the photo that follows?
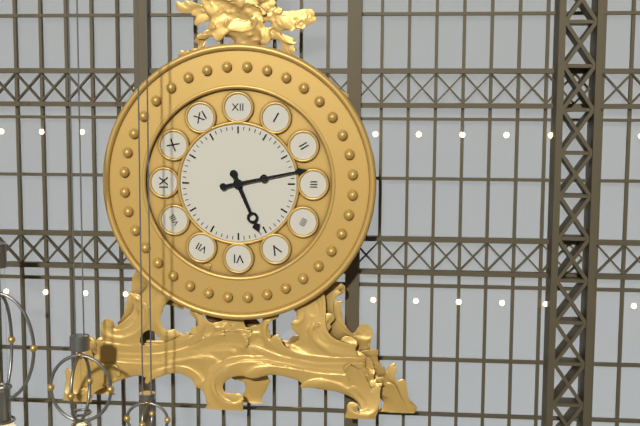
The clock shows 5:13
